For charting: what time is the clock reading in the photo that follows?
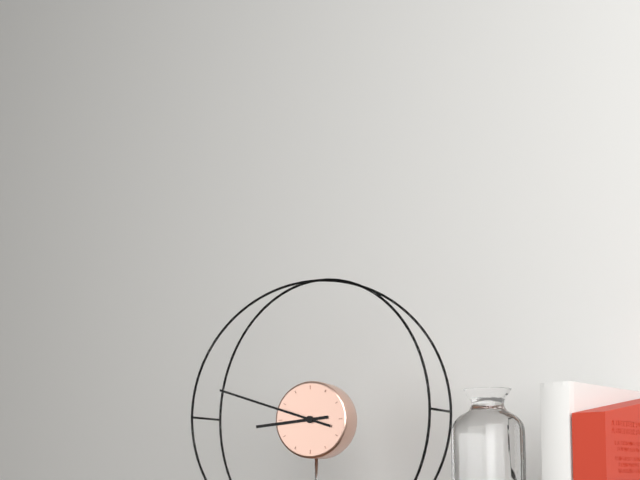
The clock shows 8:48
